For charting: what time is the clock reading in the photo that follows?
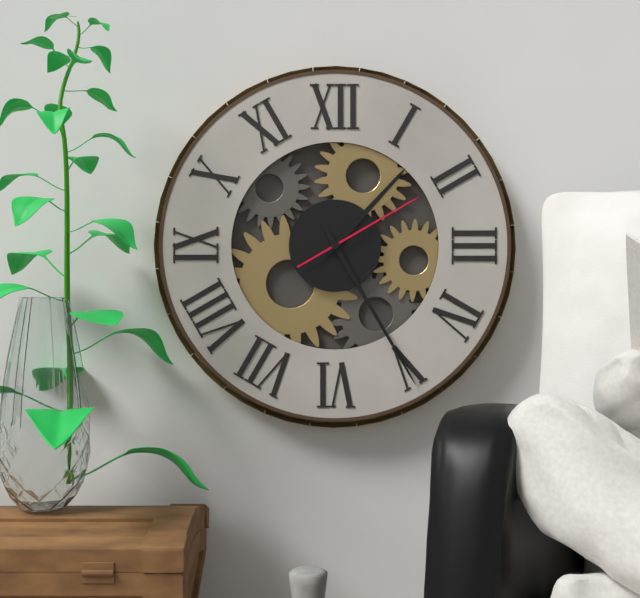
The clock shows 1:25:10
